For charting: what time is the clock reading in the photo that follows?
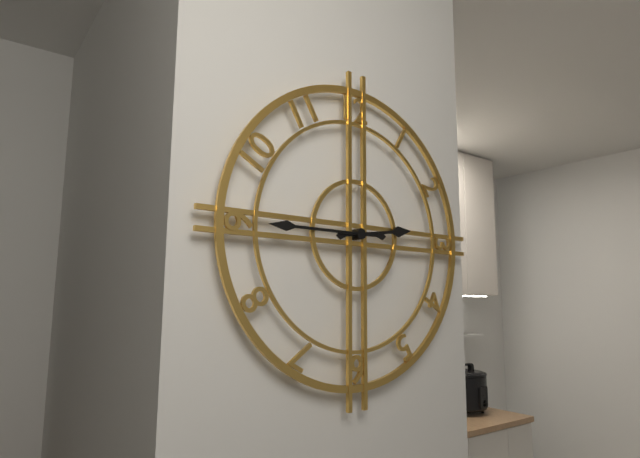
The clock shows 2:45
